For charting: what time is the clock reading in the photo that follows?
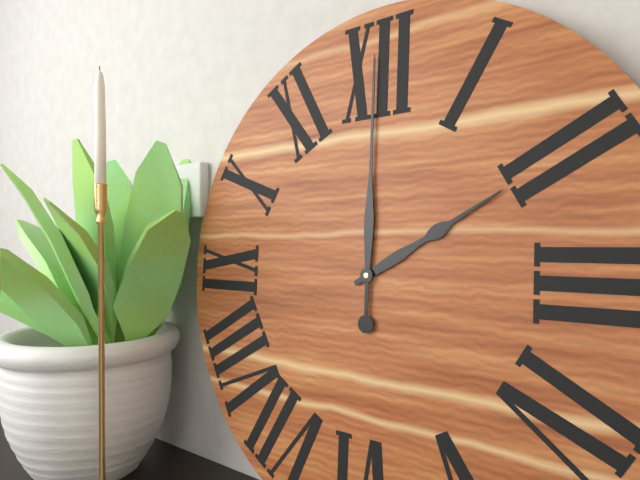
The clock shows 2:00
